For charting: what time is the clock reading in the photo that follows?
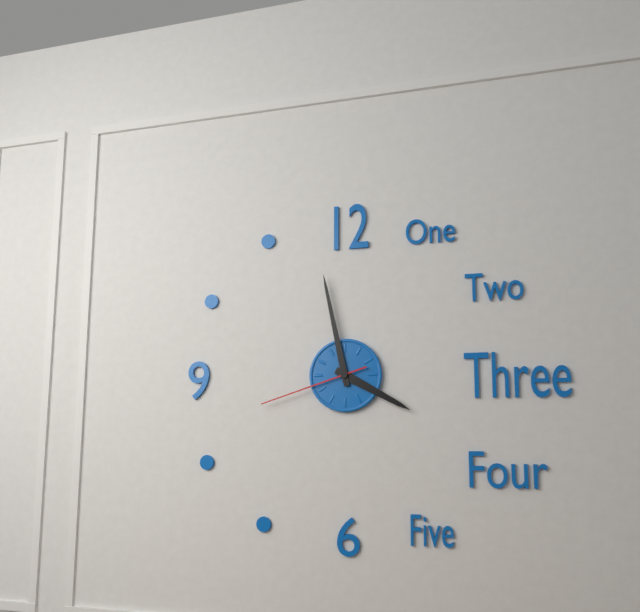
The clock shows 3:58:42
